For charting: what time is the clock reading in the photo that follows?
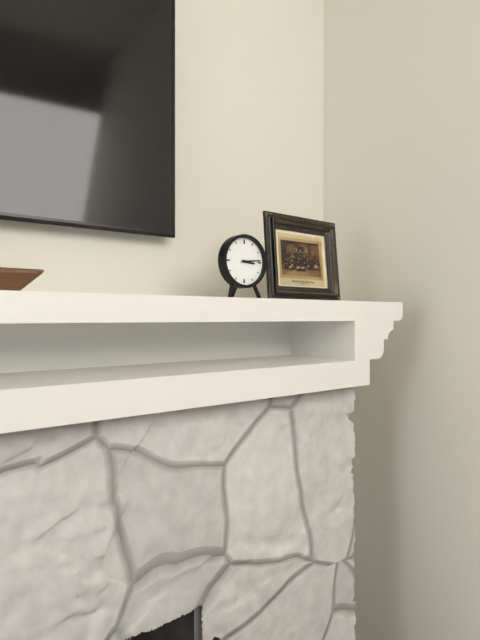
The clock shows 3:14
